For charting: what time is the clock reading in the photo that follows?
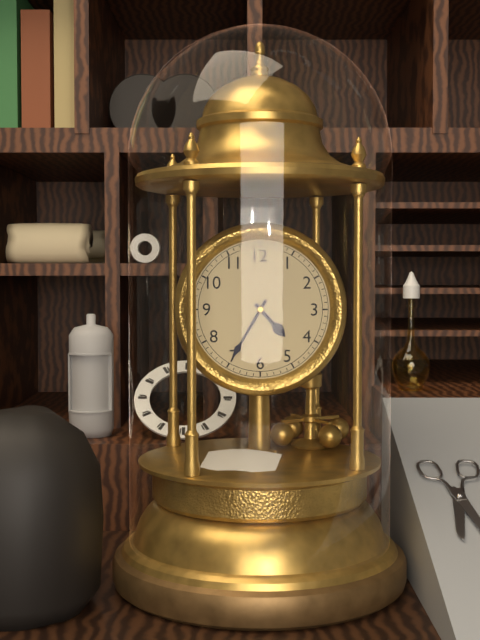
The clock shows 4:35
